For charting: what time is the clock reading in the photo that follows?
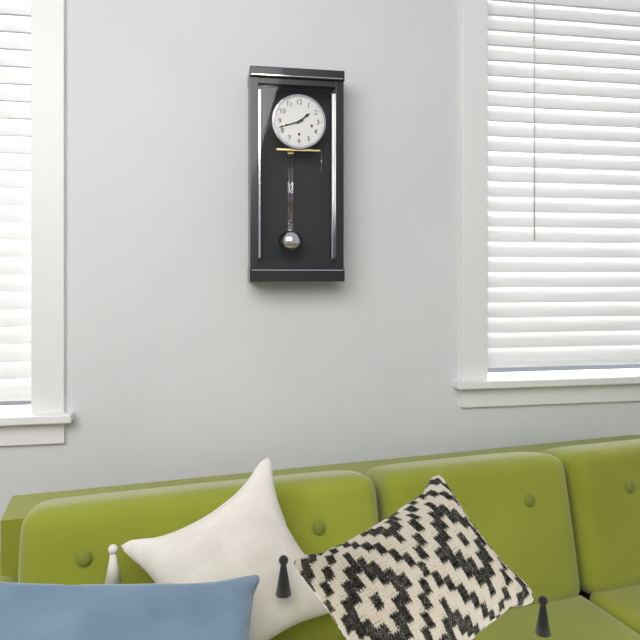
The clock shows 1:42
